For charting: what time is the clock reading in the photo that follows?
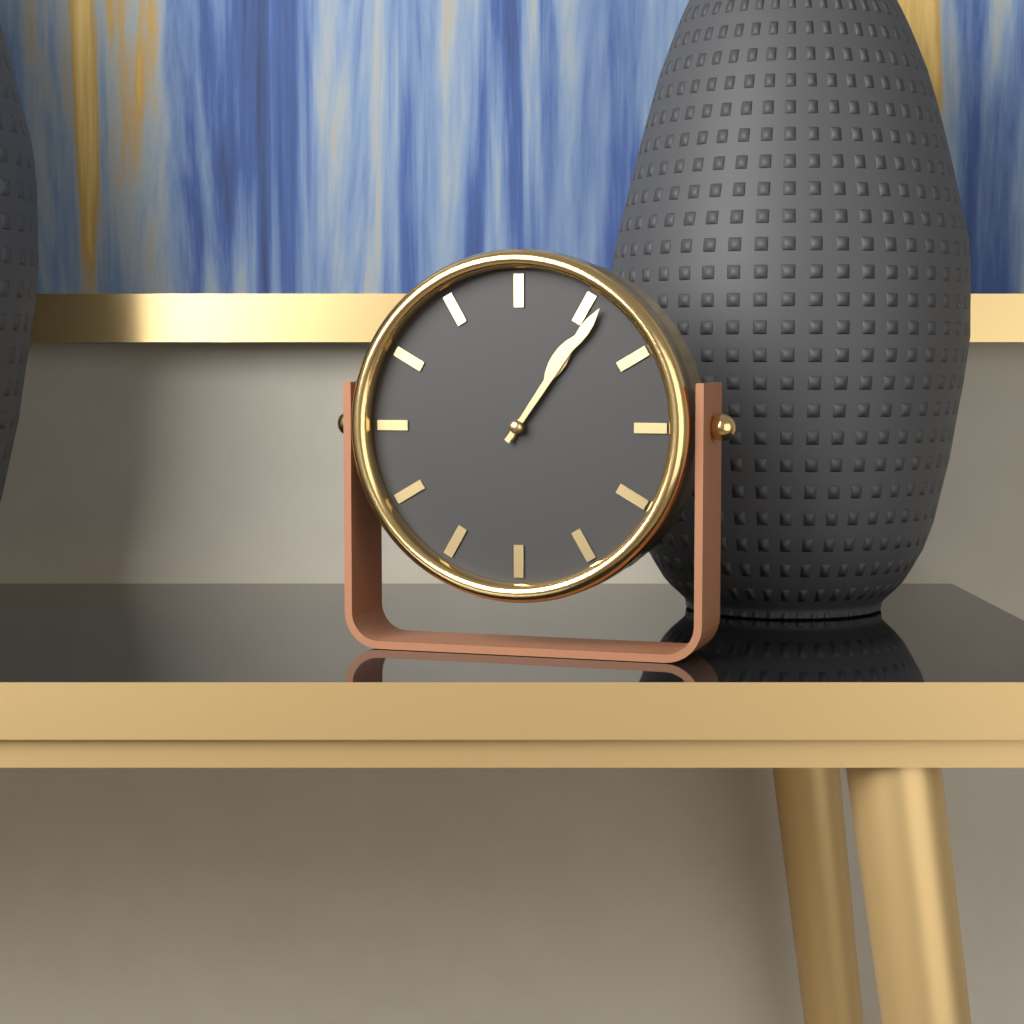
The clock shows 1:06
